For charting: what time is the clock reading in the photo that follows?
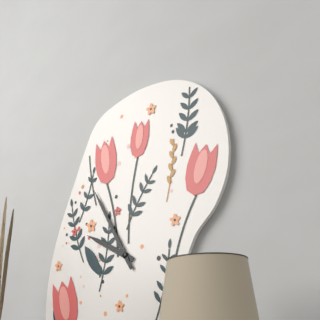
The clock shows 9:55
